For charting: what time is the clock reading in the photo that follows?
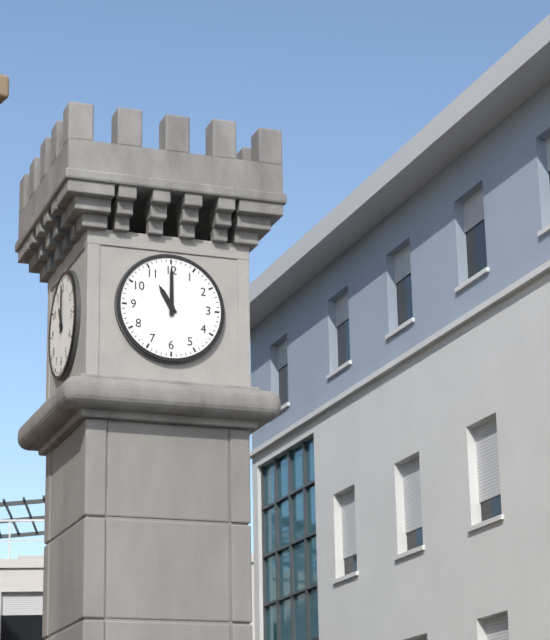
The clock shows 11:00
